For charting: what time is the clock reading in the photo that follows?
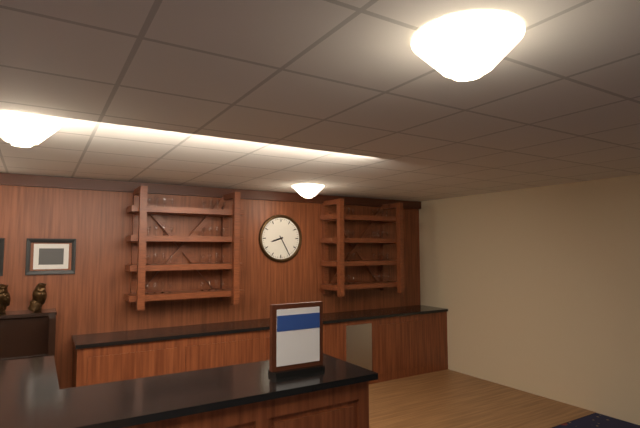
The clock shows 8:25
